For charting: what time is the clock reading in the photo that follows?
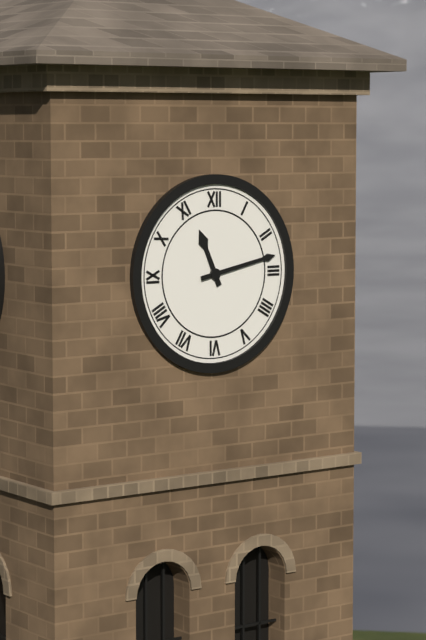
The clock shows 11:13
